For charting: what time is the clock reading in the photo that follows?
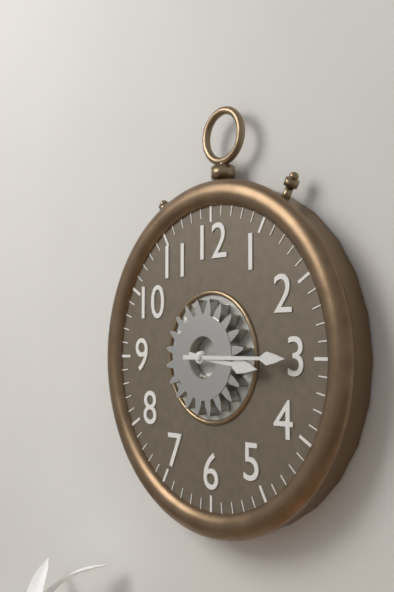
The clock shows 3:15
